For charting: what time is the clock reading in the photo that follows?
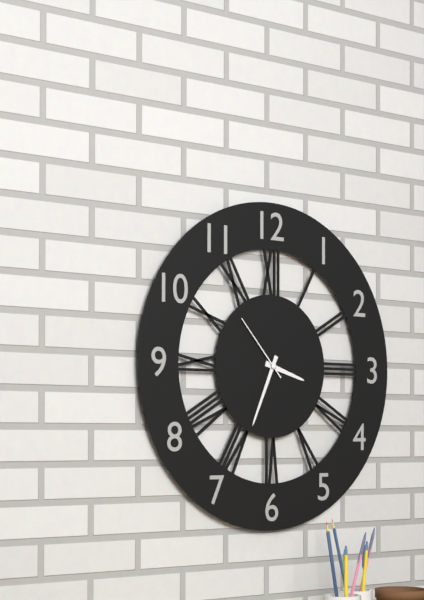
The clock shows 3:34:53
